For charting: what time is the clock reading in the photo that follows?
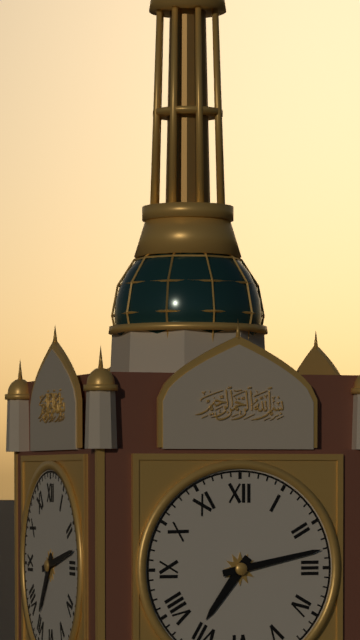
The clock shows 7:13
